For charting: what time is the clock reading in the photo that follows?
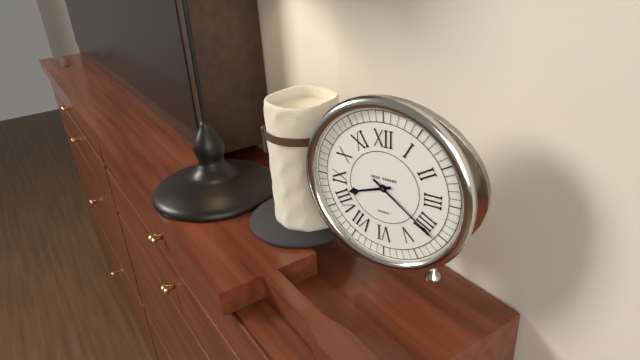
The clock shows 8:21
